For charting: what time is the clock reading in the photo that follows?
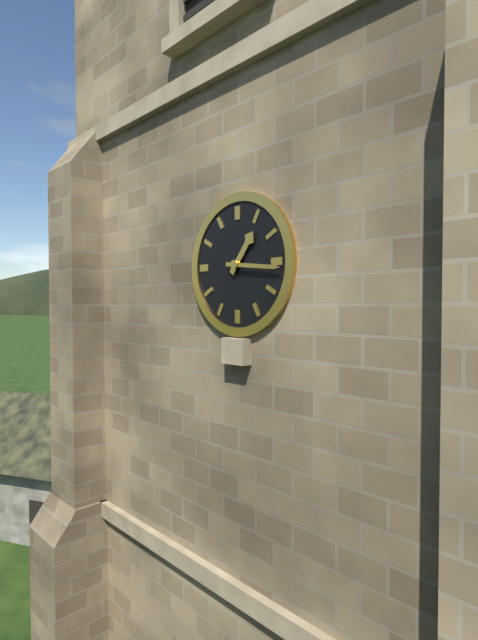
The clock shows 1:16
